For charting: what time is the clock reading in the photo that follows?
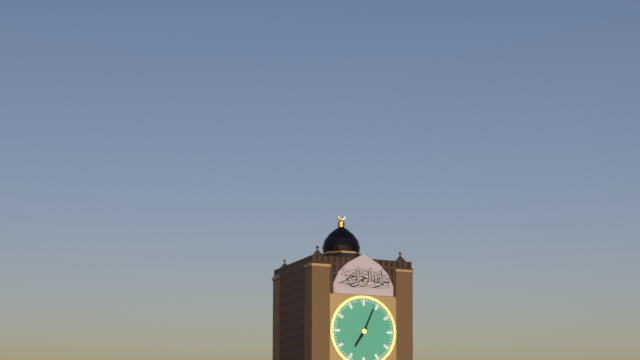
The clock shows 7:04
